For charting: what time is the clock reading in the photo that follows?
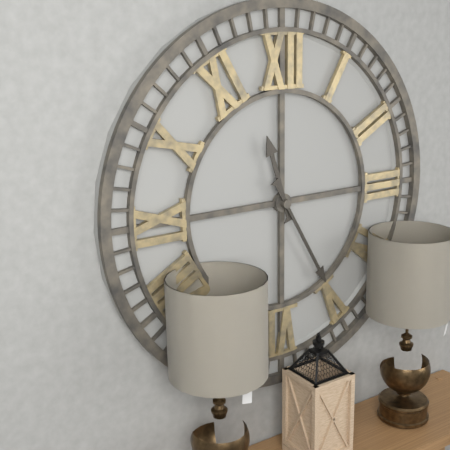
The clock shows 11:25
